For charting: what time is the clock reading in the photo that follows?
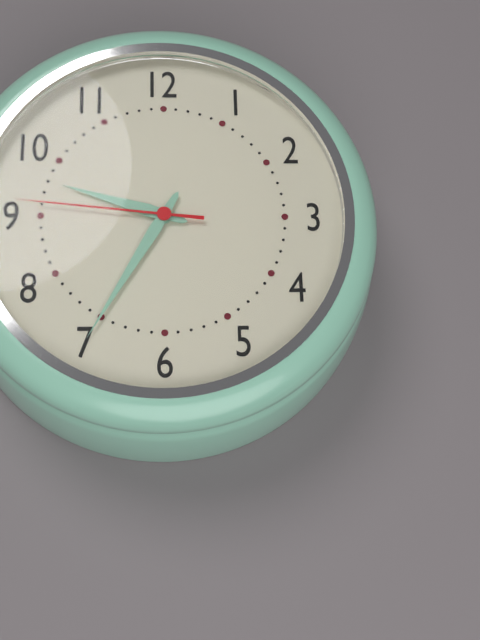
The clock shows 9:35:46
